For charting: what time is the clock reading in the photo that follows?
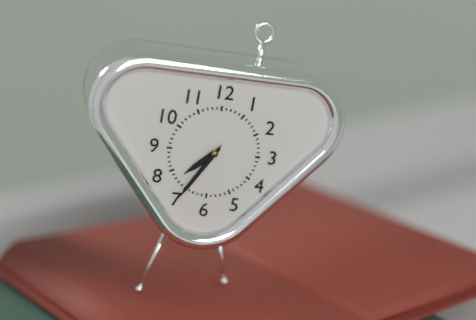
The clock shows 7:35
